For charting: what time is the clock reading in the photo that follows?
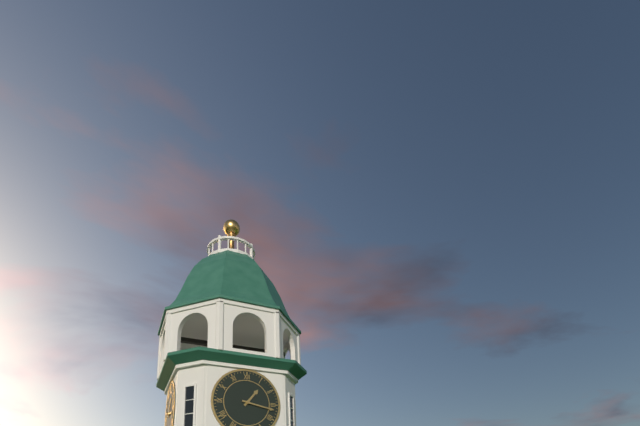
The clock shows 1:17
